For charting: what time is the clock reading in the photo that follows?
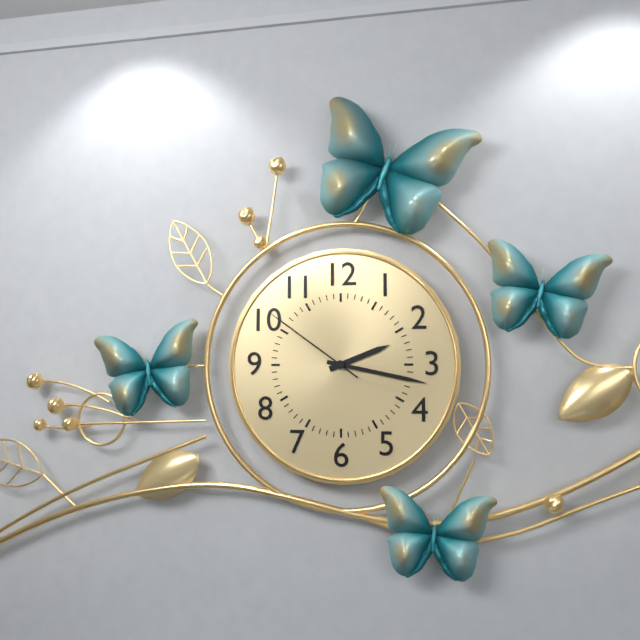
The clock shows 2:17:51
